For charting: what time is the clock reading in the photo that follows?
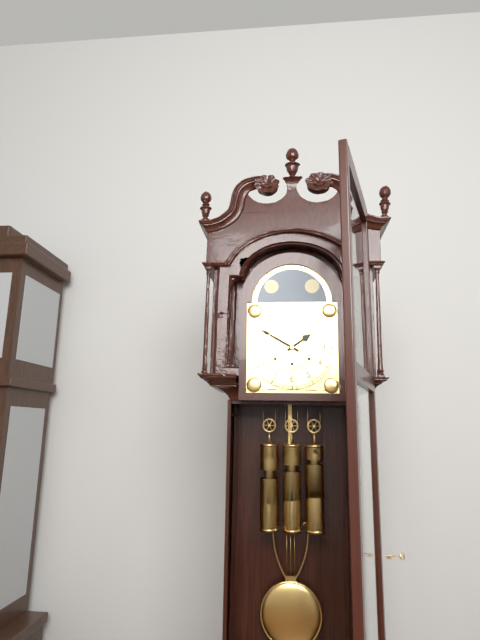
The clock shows 1:50
